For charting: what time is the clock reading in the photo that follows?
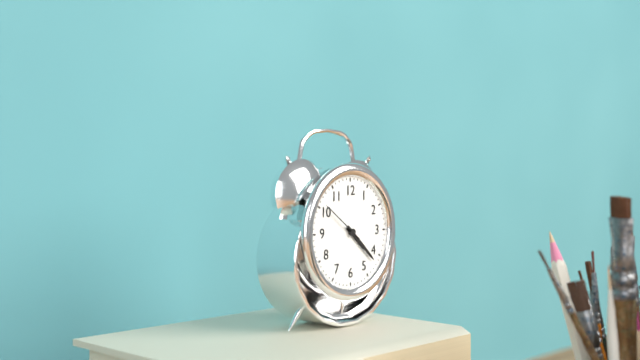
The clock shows 4:22
